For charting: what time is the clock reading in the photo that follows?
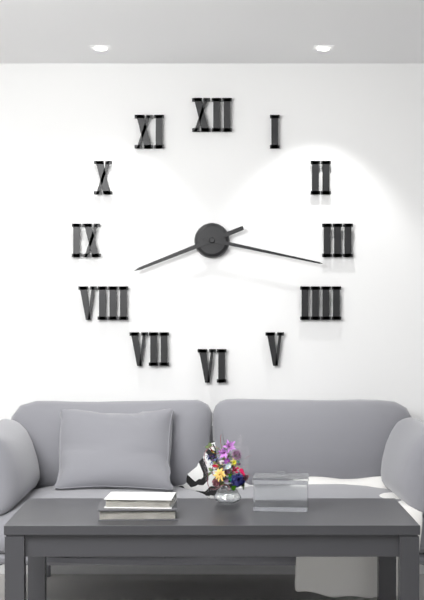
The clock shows 8:17
